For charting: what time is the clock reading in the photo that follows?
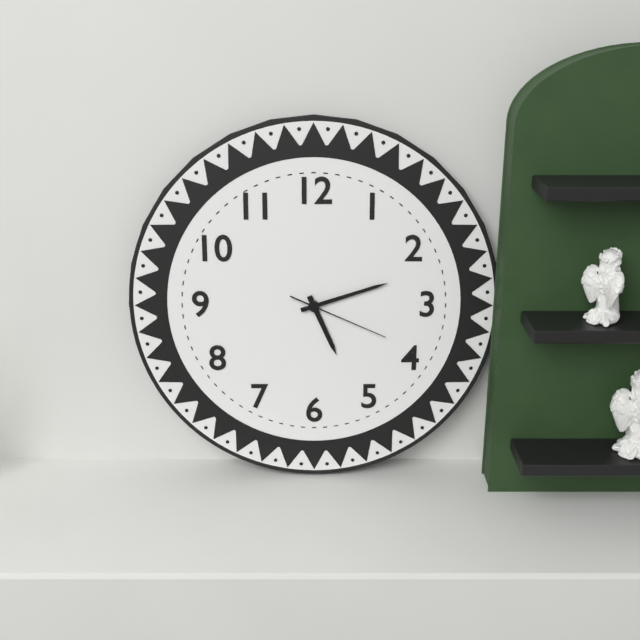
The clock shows 5:12:19
